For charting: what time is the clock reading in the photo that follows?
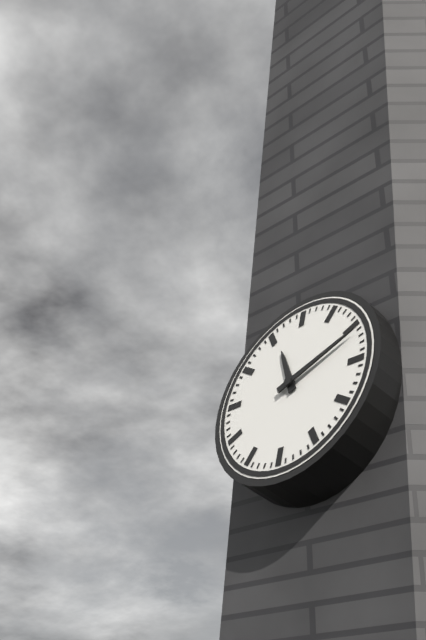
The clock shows 11:11
